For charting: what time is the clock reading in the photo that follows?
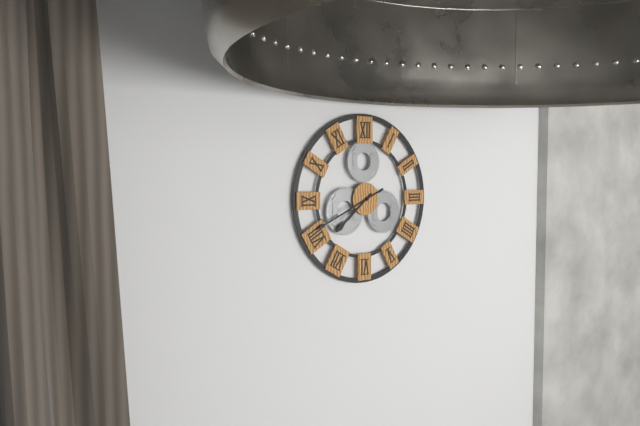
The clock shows 7:41
